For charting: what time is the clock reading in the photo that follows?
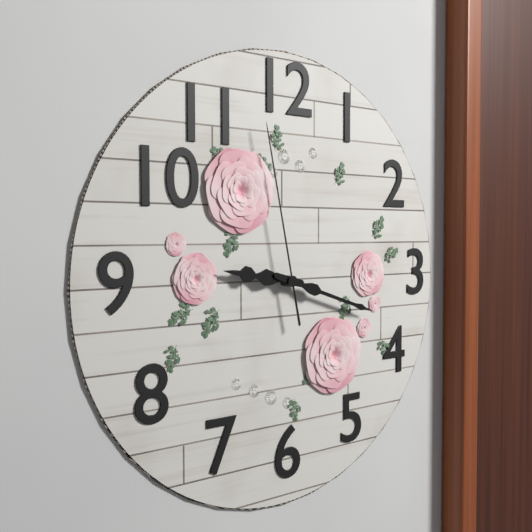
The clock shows 9:18:58
